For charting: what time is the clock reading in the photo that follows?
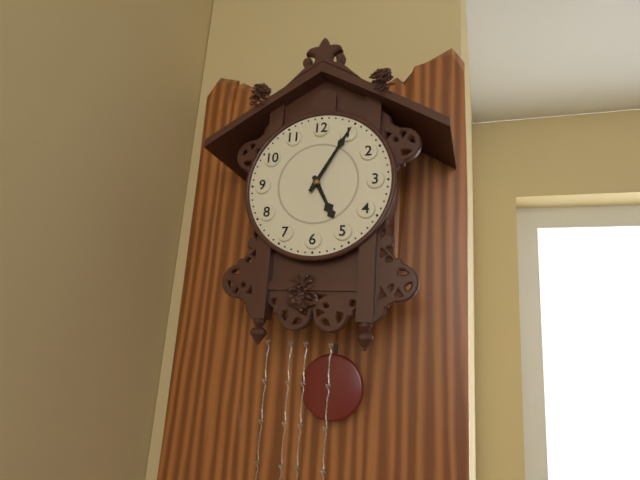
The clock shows 5:05
